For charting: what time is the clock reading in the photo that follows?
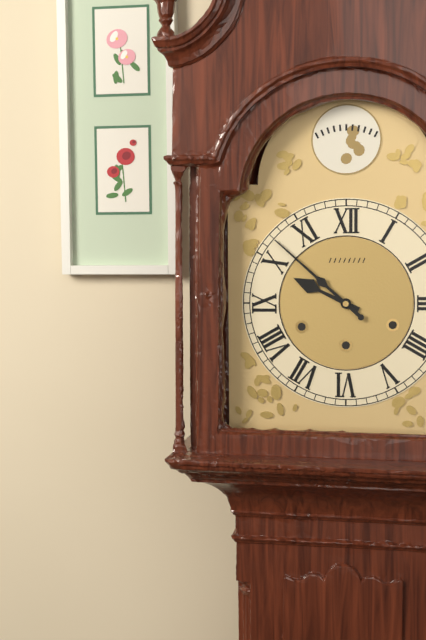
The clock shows 9:52
